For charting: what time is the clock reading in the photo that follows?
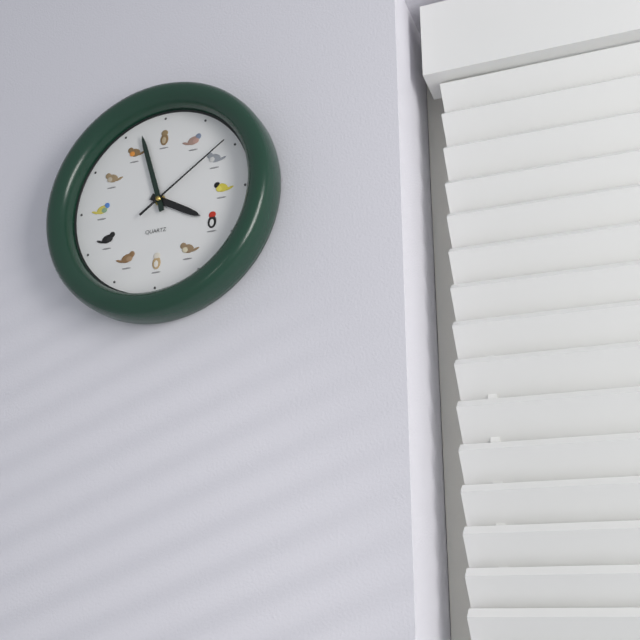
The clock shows 3:57:09
